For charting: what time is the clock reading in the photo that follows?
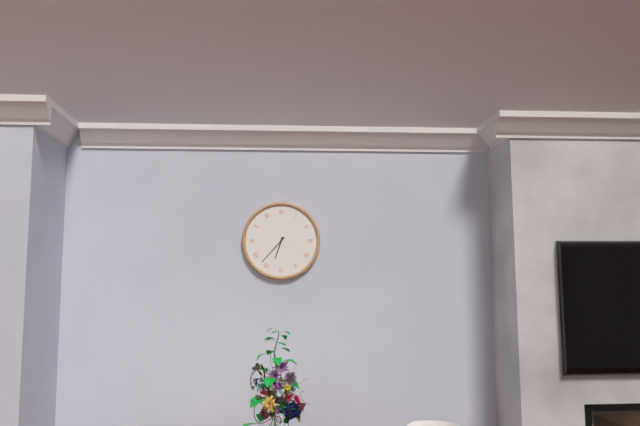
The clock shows 6:37
